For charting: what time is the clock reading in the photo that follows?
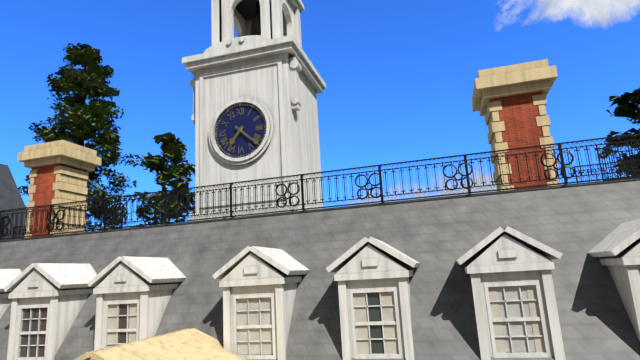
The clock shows 7:22
